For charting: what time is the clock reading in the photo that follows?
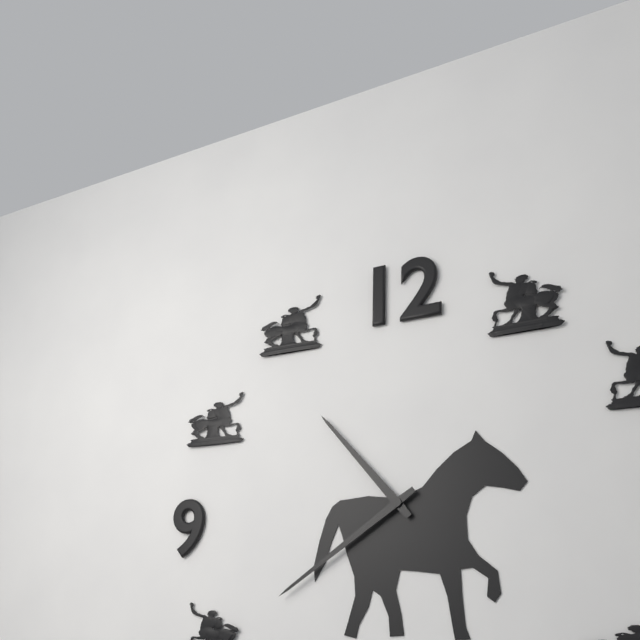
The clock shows 10:39
